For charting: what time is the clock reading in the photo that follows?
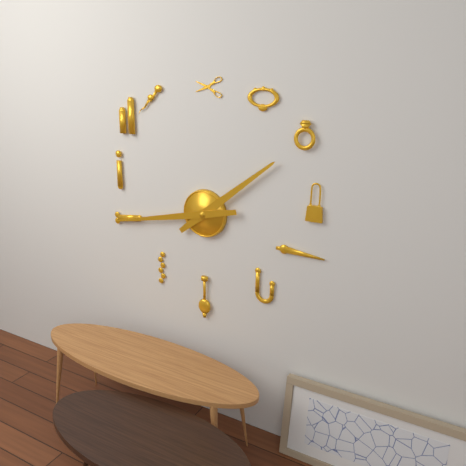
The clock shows 1:43
